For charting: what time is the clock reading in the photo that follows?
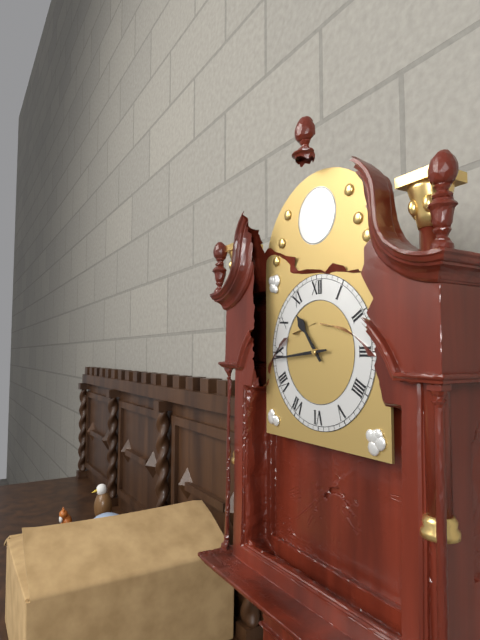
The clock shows 10:44
